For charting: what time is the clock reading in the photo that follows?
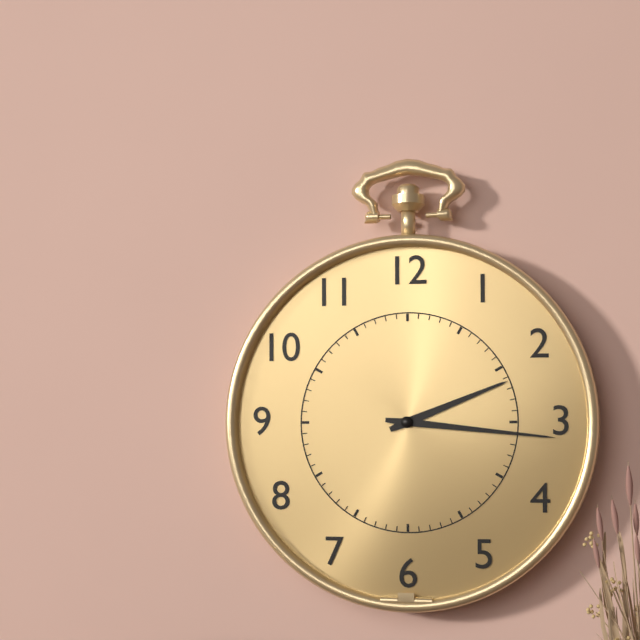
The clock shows 2:16
